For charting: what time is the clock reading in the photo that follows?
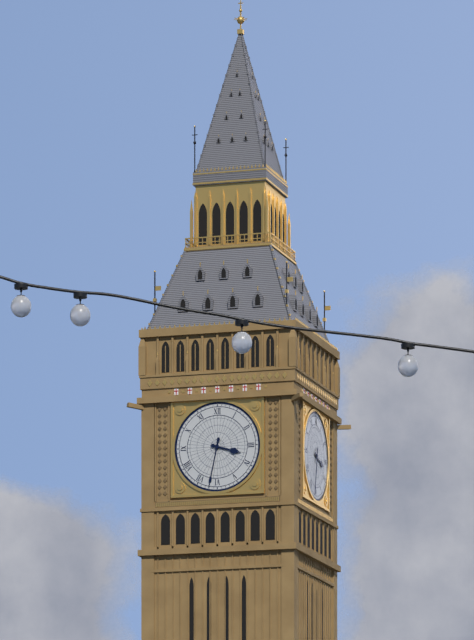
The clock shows 3:32
